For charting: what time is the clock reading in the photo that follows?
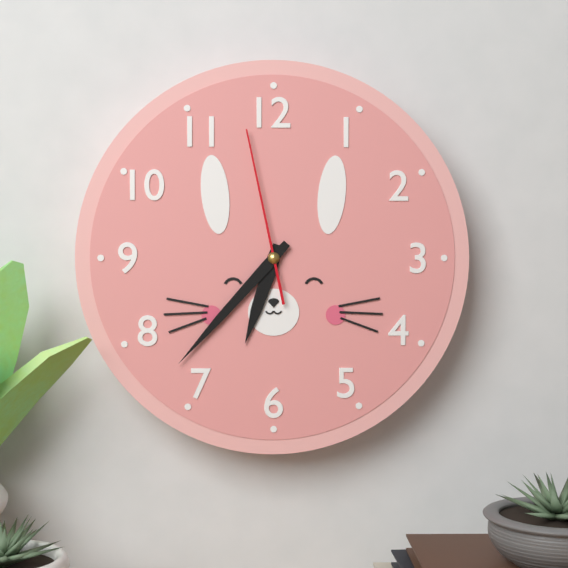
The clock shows 6:37:58
